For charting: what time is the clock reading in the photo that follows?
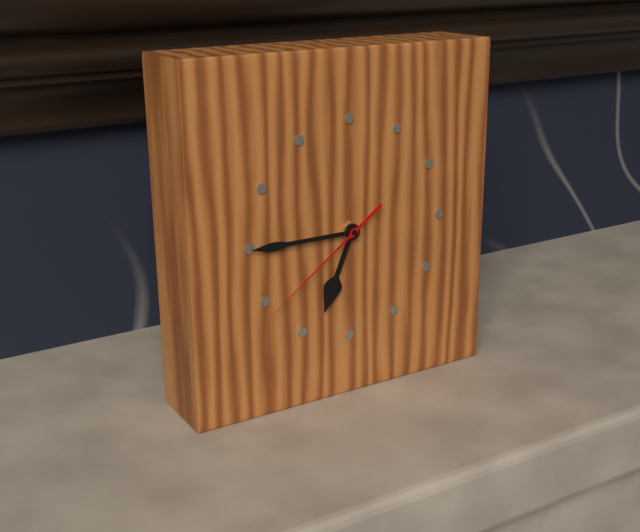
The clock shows 6:45:39
